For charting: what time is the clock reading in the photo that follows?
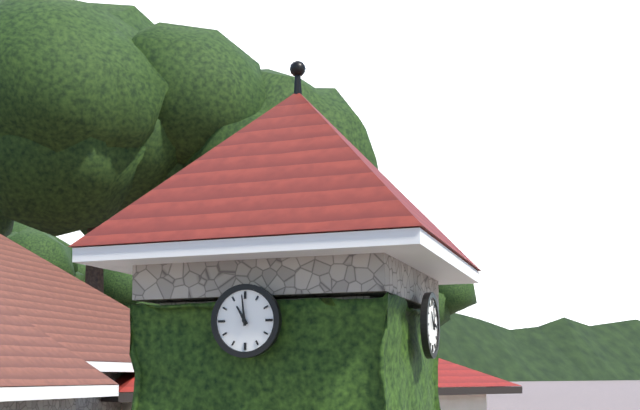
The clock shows 10:59
